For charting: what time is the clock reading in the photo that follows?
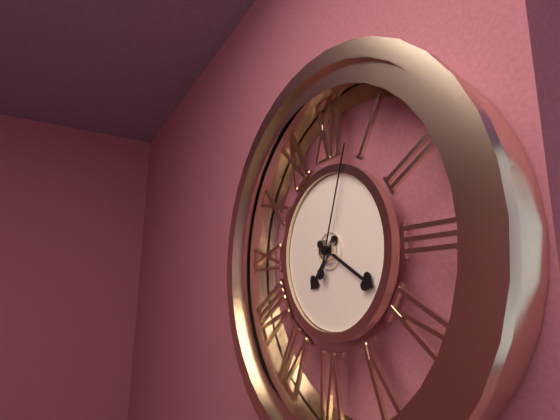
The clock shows 7:20:03
